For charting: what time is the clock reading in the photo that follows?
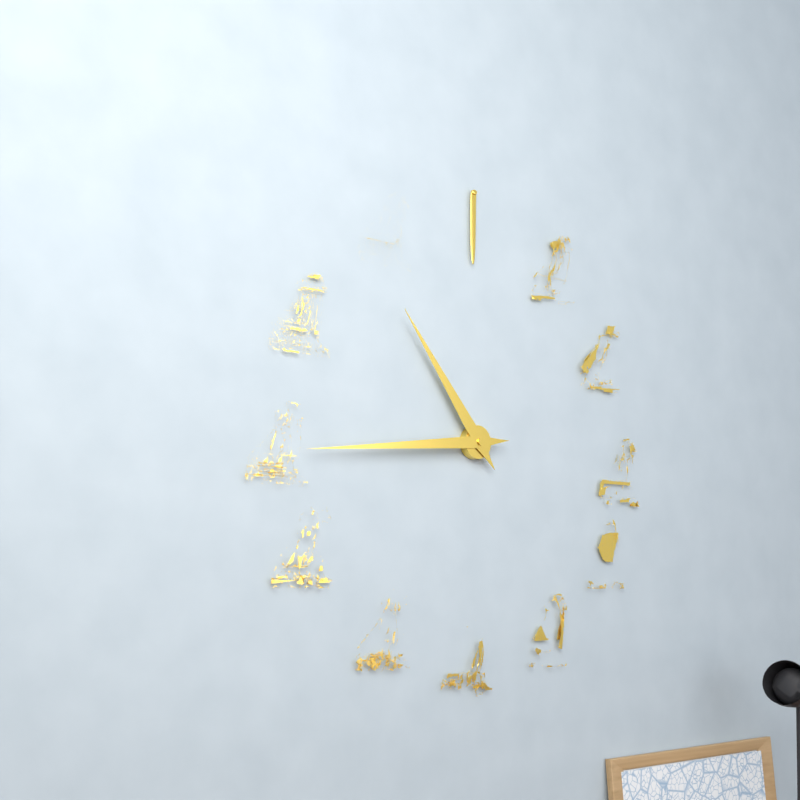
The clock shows 10:44
